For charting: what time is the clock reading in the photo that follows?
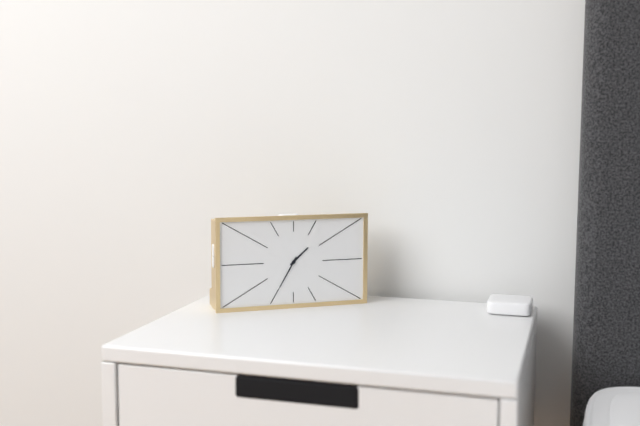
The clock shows 1:35
